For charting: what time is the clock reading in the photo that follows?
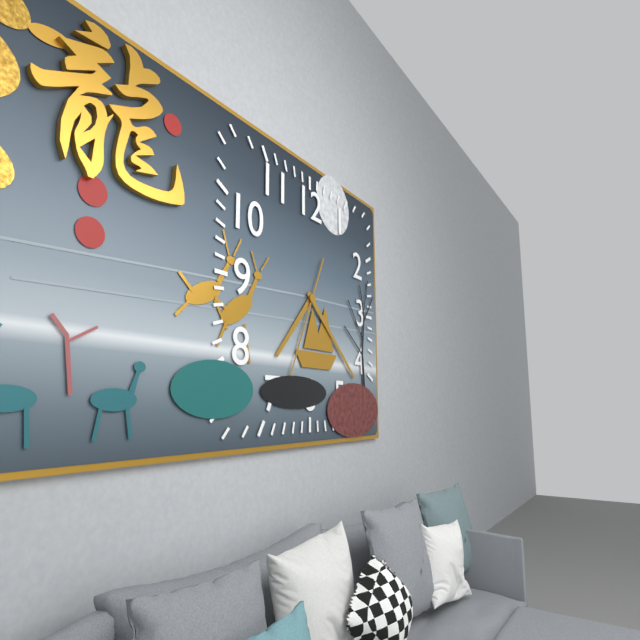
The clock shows 7:22:34
